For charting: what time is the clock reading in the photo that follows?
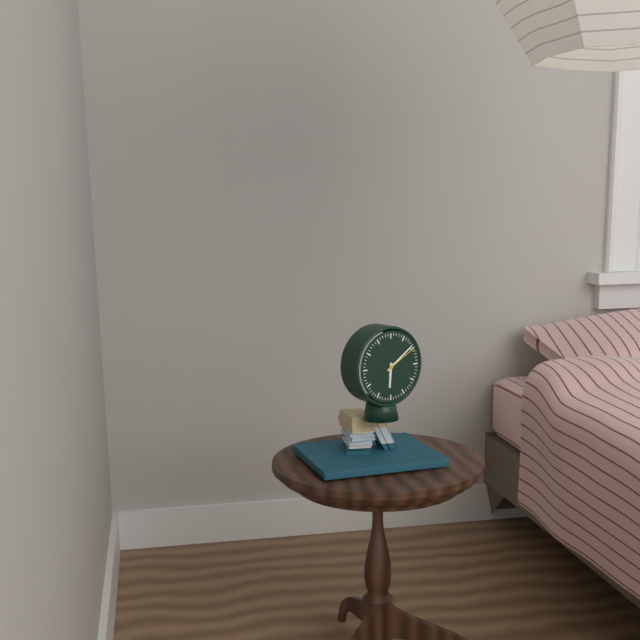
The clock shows 6:09
